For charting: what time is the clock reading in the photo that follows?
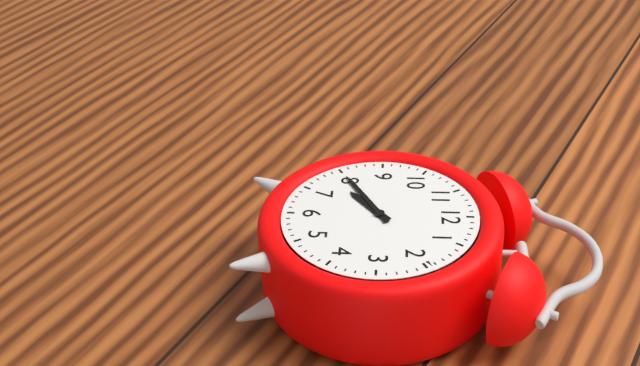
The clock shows 7:40
